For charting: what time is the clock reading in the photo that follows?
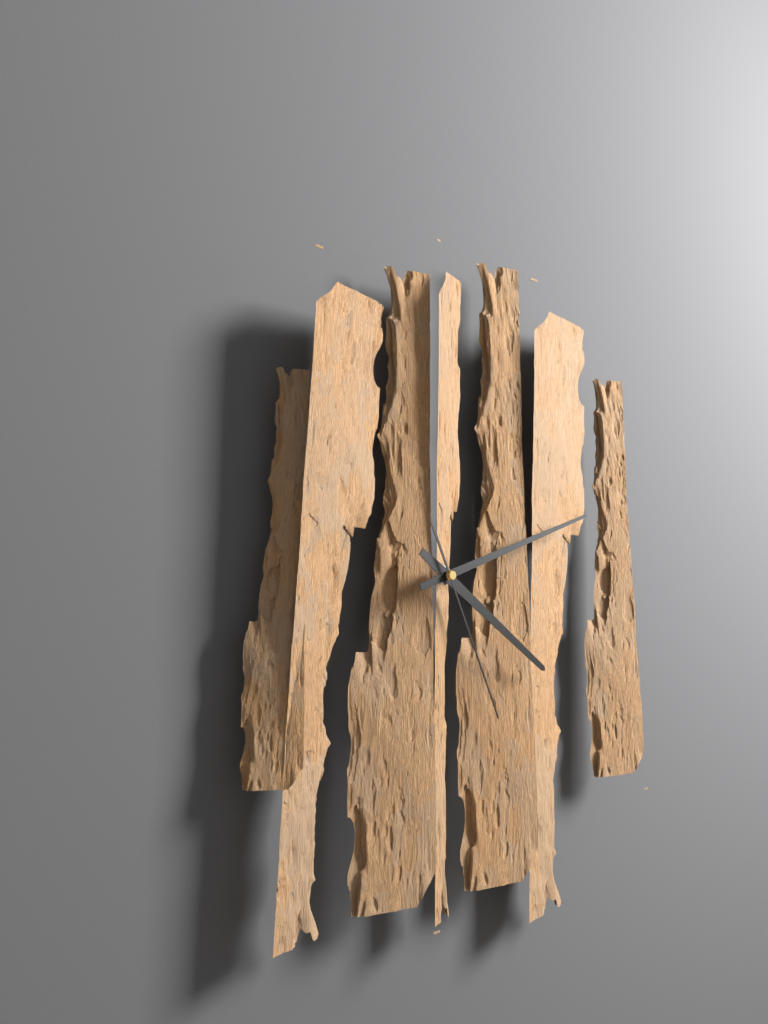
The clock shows 4:12:26
